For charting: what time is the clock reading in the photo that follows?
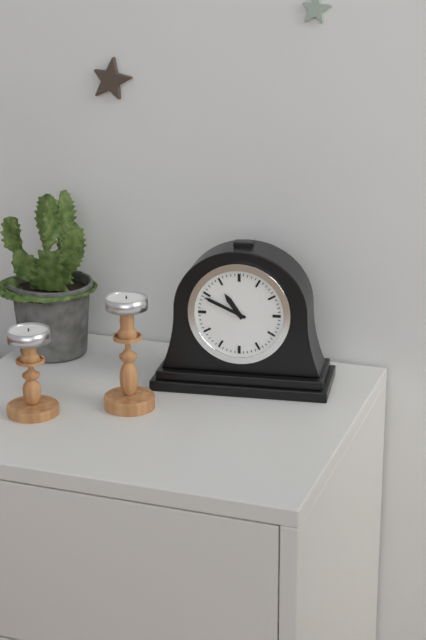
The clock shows 10:49
